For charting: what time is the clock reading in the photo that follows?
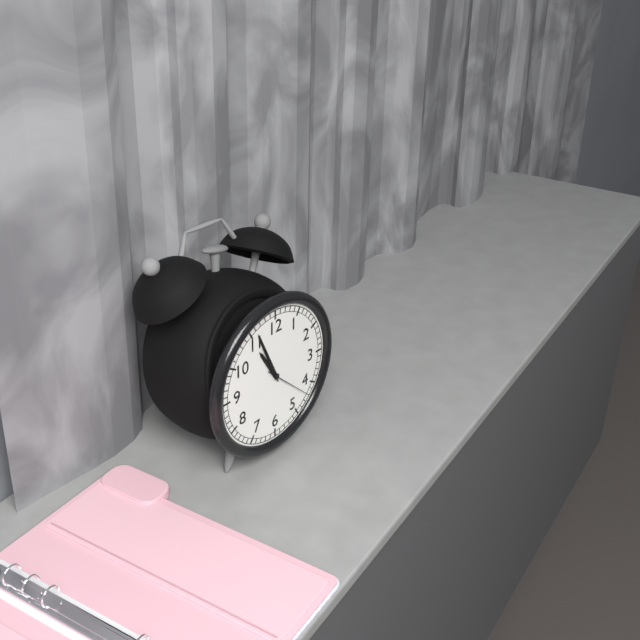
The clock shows 10:56
